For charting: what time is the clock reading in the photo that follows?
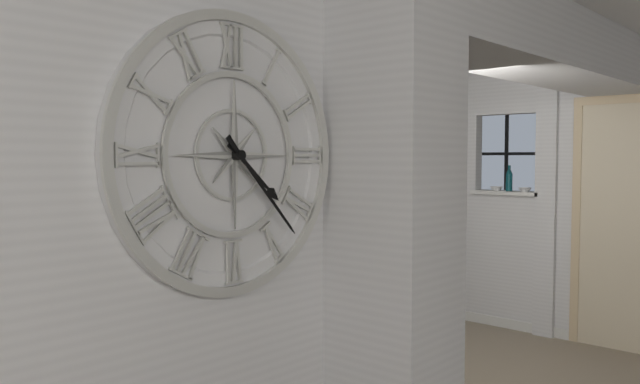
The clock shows 4:23
